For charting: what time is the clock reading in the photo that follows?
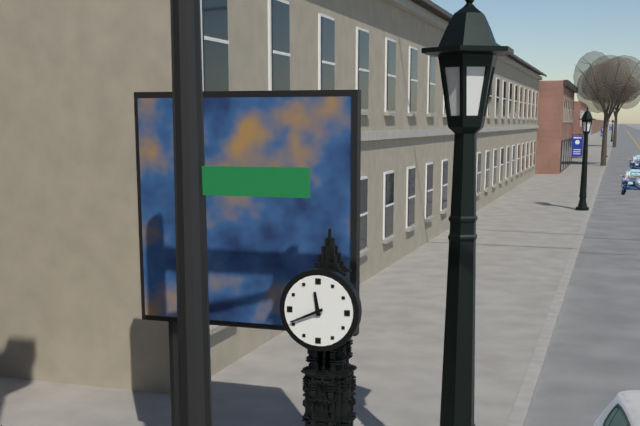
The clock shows 11:41
